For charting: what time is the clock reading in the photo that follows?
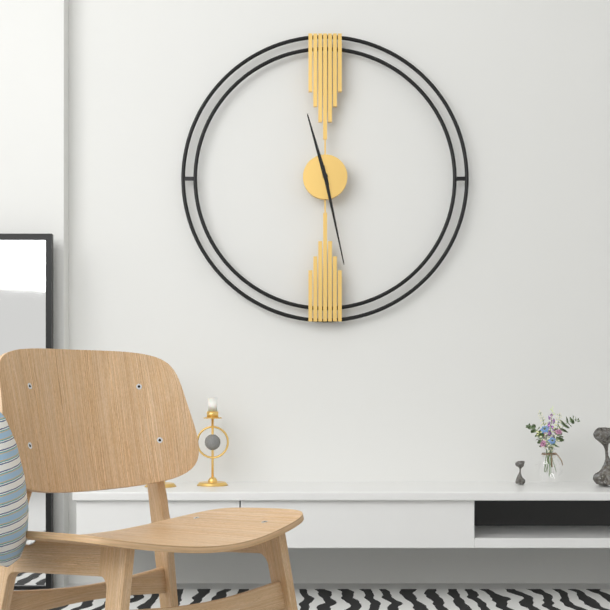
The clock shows 11:28
